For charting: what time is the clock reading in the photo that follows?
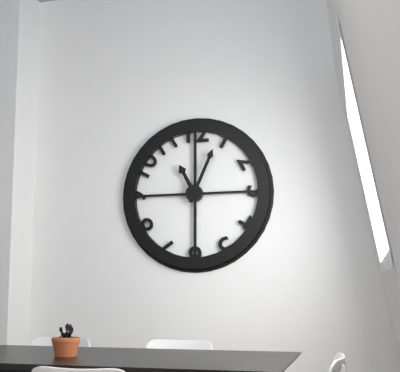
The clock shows 11:04
